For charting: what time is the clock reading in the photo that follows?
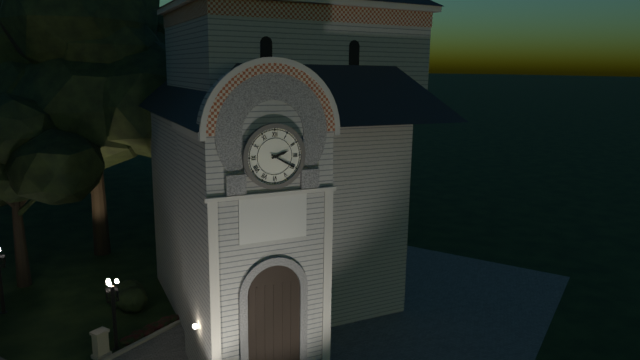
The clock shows 2:20
